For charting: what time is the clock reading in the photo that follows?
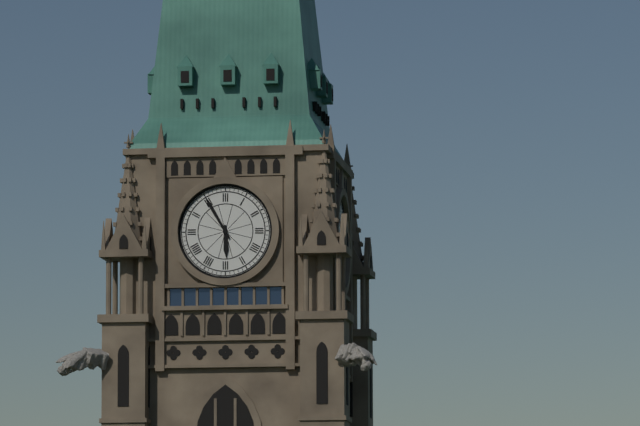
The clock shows 5:55
